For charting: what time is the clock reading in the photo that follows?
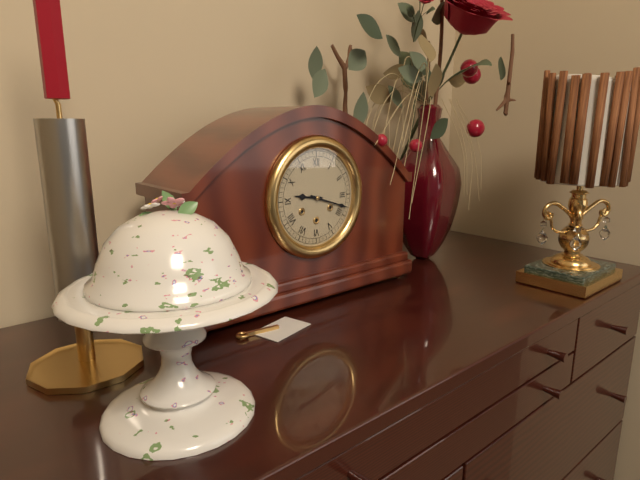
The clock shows 9:18
